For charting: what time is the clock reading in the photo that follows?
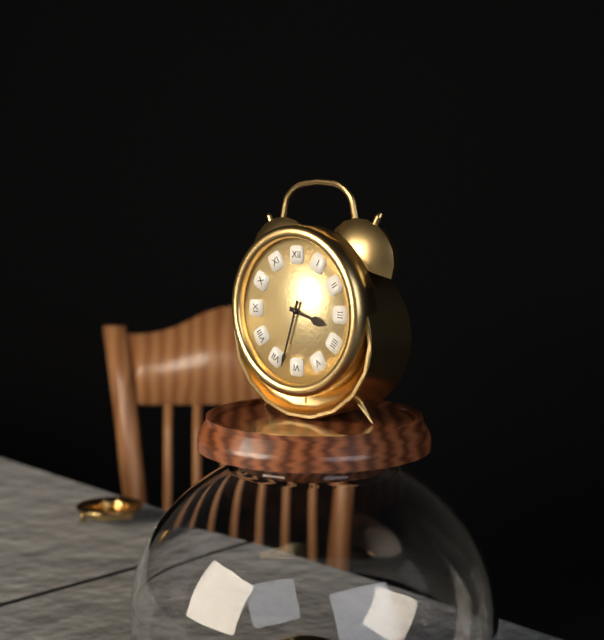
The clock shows 3:33
